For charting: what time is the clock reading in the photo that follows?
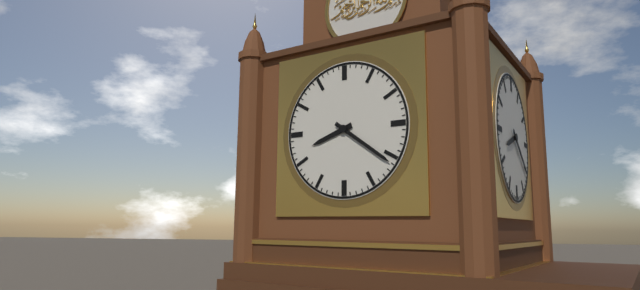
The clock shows 8:21
